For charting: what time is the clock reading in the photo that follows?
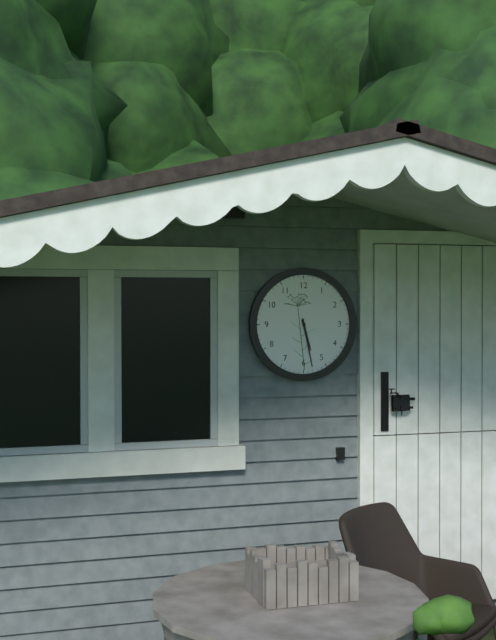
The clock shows 5:28
